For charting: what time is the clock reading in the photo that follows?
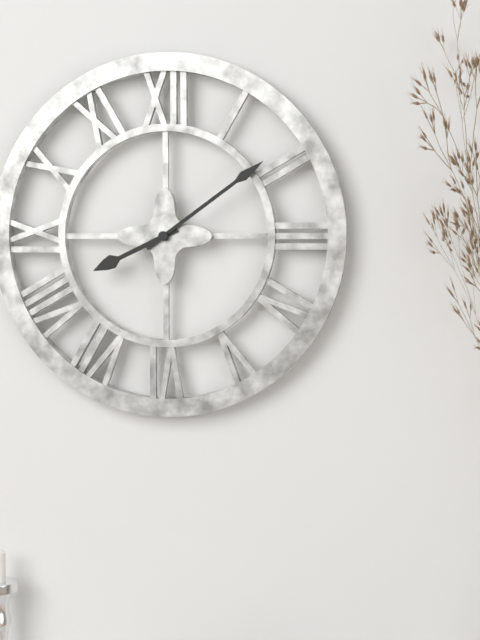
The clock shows 8:09
